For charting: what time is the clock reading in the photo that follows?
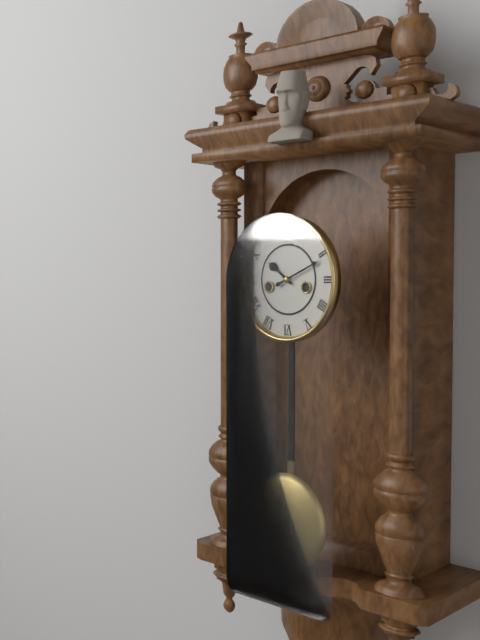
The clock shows 10:11
